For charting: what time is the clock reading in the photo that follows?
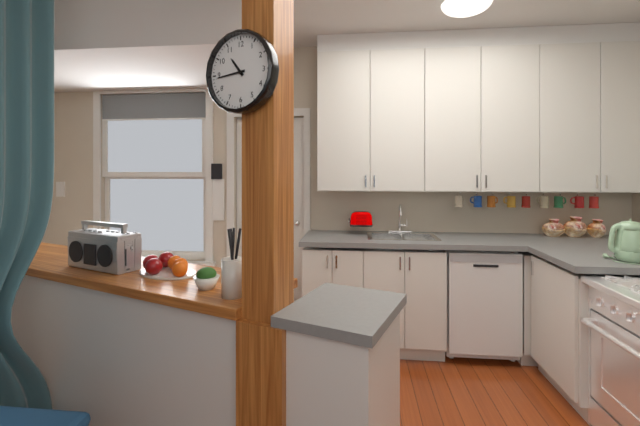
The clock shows 10:44
